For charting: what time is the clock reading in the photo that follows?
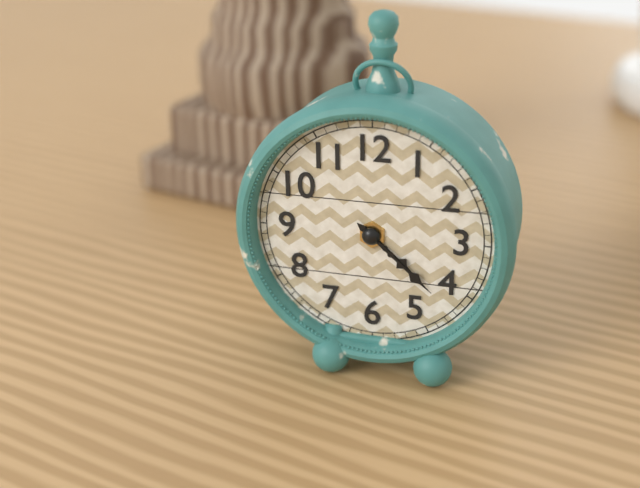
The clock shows 4:22
